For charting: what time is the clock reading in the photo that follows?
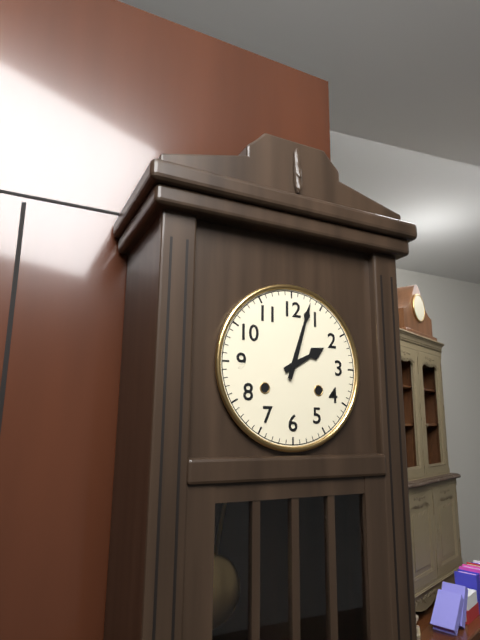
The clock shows 2:03
